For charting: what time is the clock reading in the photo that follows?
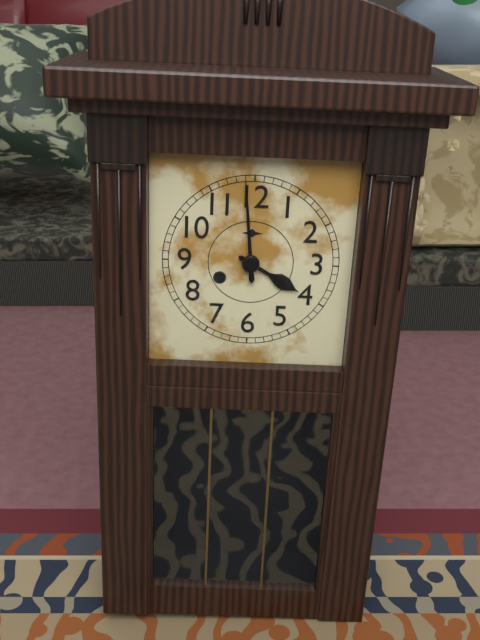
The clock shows 3:59
